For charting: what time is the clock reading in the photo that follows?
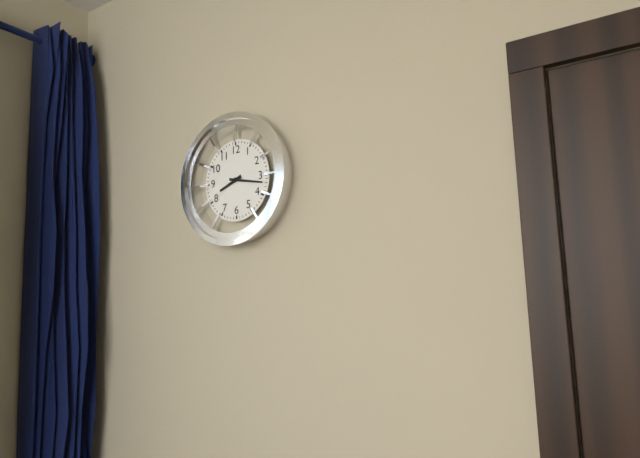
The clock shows 8:17
